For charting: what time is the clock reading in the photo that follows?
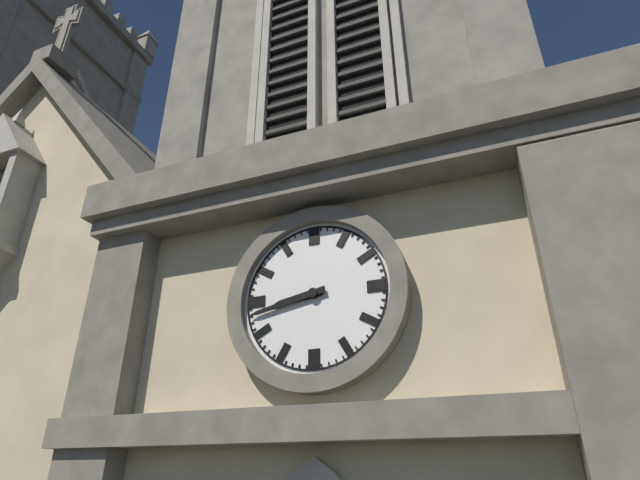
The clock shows 8:43
